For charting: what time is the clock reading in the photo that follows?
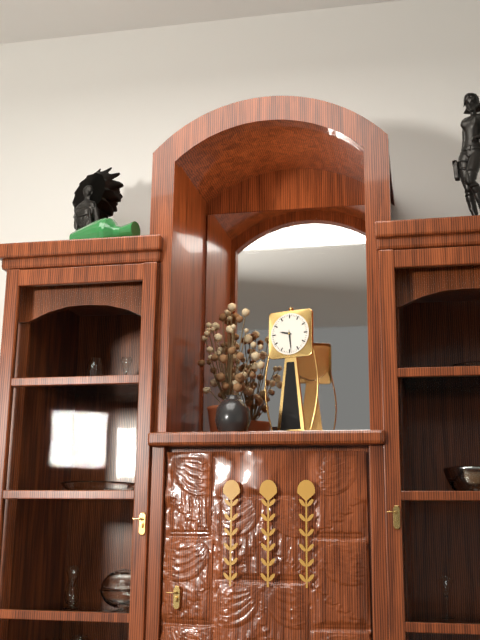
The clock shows 9:29
